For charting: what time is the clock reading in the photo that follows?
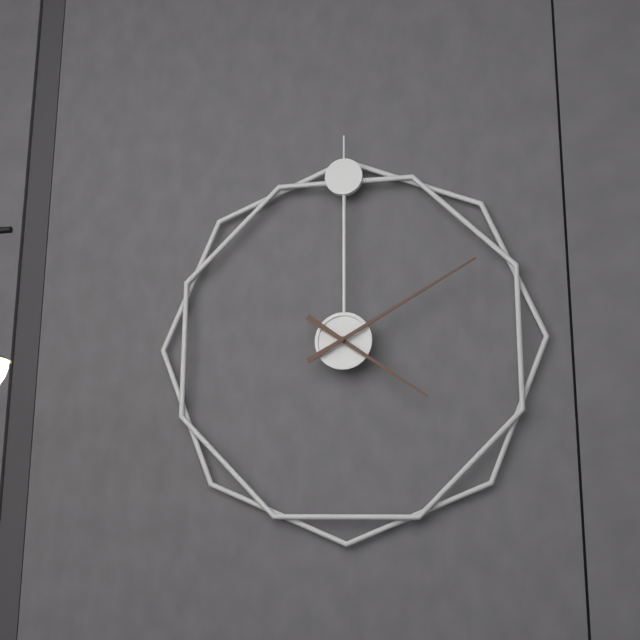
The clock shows 4:10
